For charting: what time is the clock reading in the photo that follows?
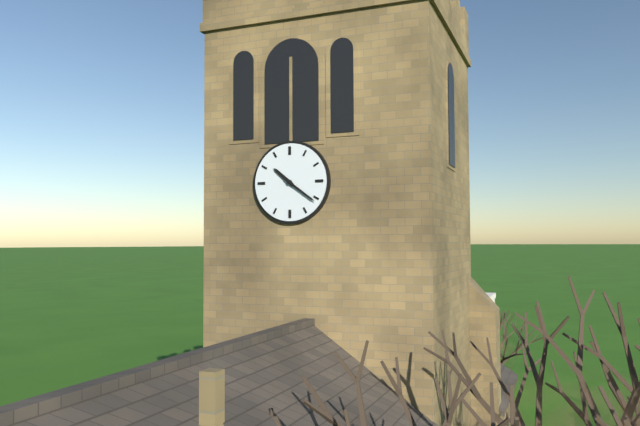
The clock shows 10:21
